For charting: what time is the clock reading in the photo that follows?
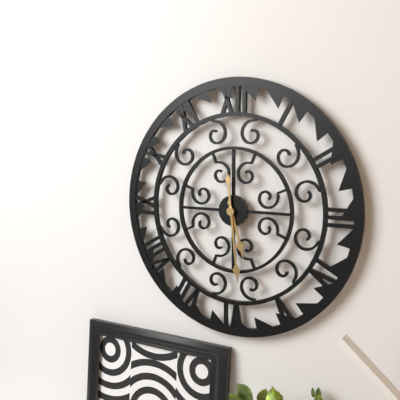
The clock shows 5:29
